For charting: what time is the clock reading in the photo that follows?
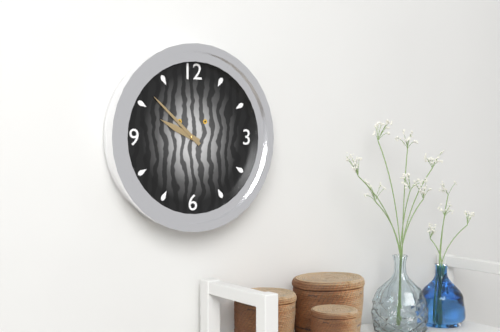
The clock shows 9:52
